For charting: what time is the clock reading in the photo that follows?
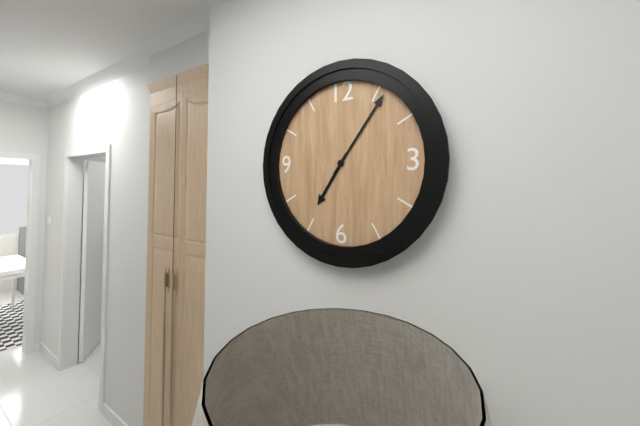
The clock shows 7:06
